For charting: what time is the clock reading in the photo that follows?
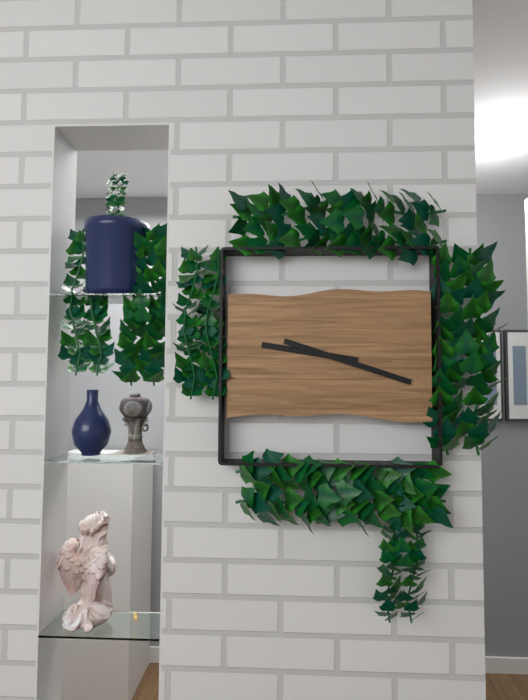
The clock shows 9:18
